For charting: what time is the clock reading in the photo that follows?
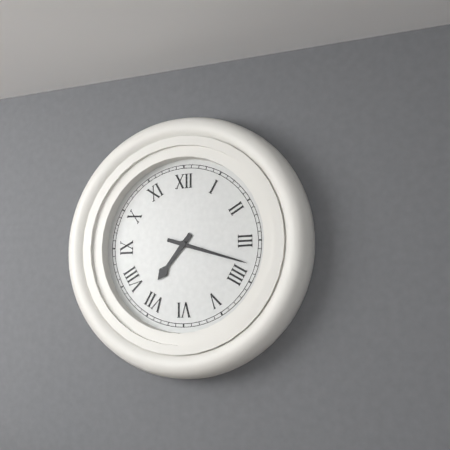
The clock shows 7:18
